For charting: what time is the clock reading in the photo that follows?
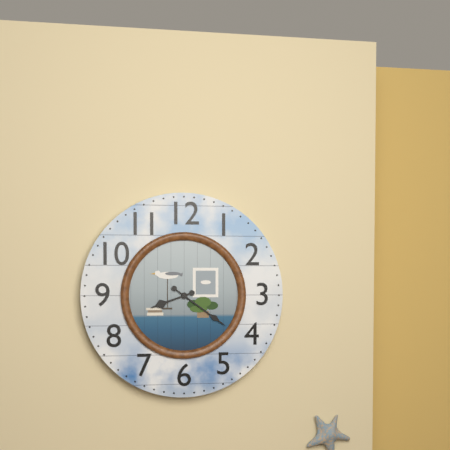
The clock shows 8:21
